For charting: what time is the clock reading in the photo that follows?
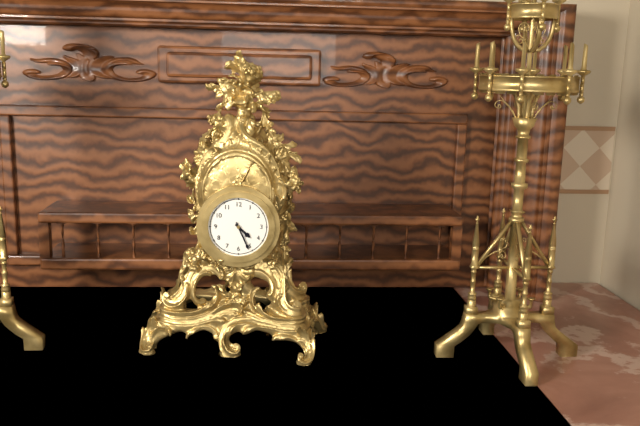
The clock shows 4:26
